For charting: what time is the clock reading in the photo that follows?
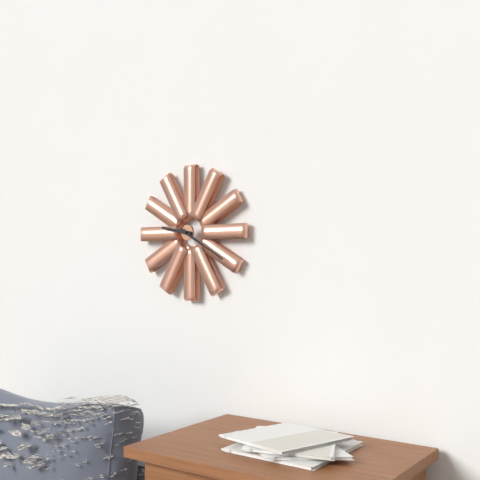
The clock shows 9:20
